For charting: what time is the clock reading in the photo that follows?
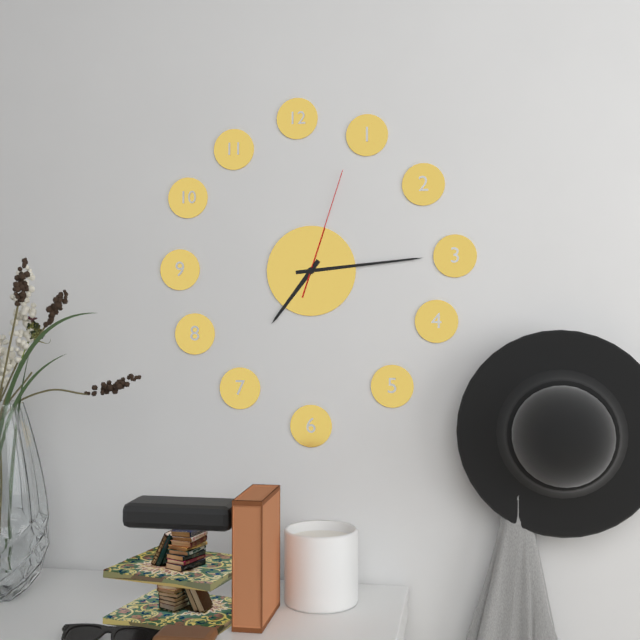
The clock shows 7:14:03
